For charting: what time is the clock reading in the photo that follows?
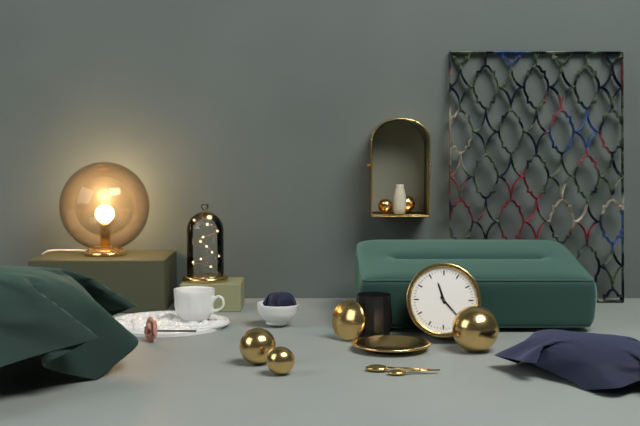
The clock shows 11:23
